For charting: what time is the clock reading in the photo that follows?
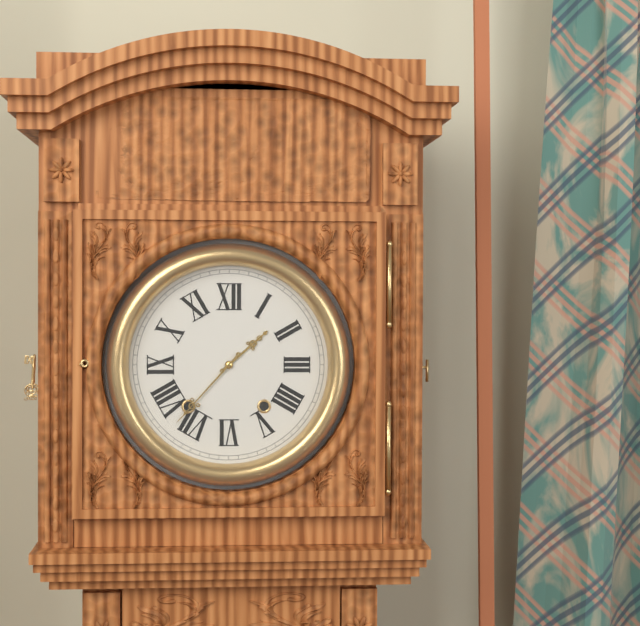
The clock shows 1:37
